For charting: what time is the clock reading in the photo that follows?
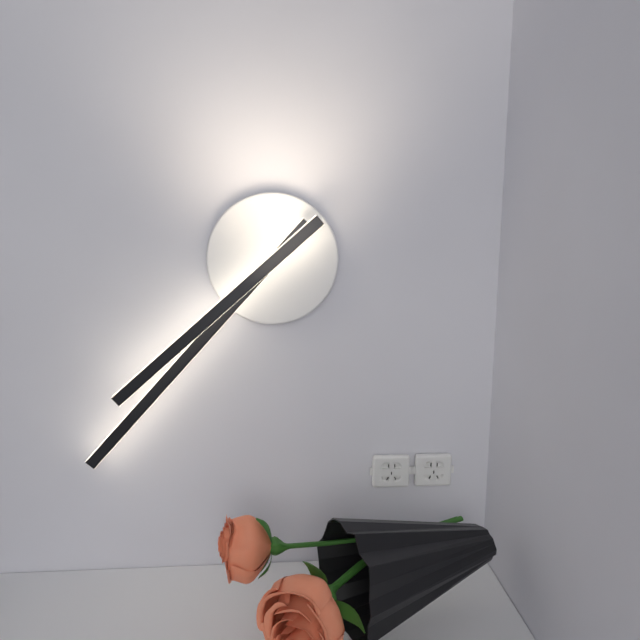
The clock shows 7:37
